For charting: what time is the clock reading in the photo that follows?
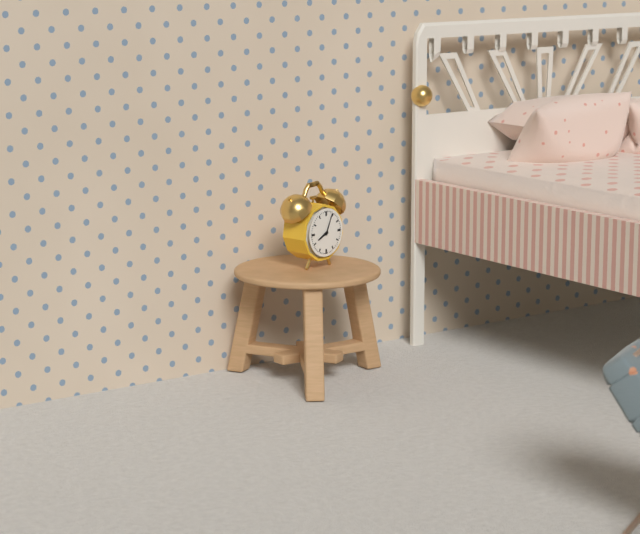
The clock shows 8:04
